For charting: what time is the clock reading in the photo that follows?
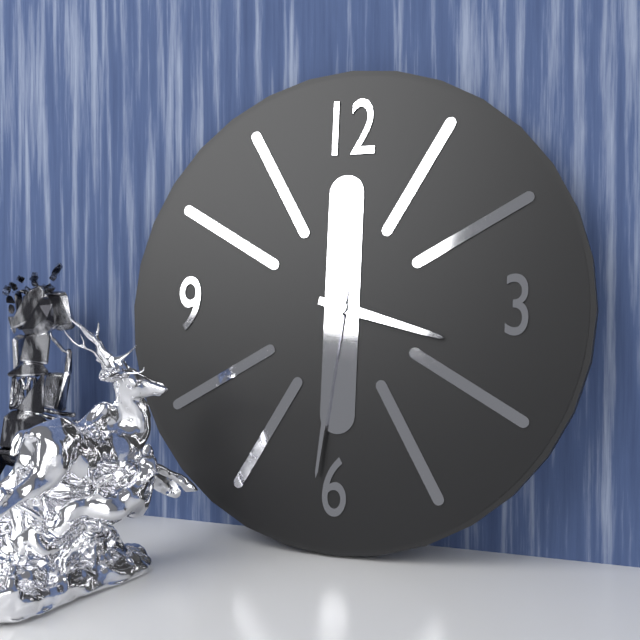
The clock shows 3:31
